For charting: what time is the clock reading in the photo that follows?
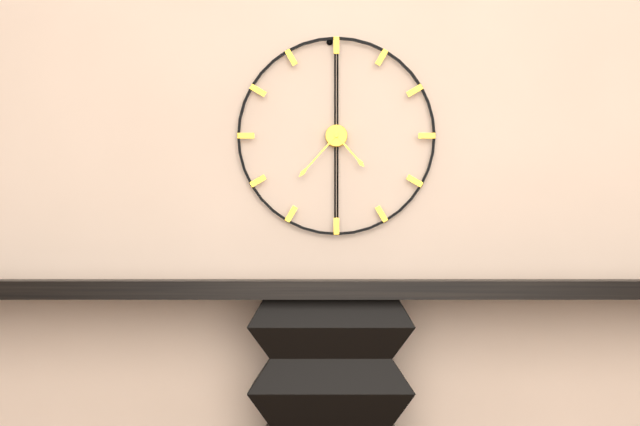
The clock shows 4:37
